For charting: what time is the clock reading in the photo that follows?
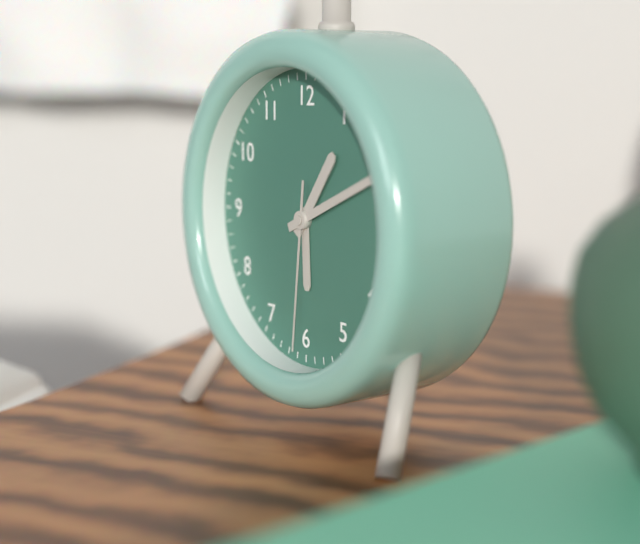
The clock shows 1:11:31
